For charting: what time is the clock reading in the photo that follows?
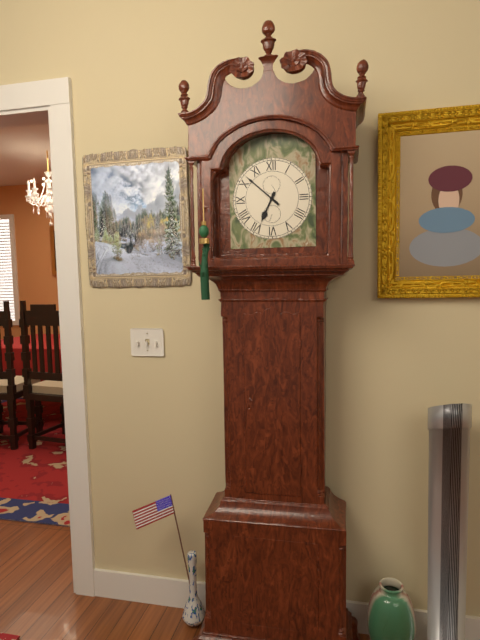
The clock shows 6:52
